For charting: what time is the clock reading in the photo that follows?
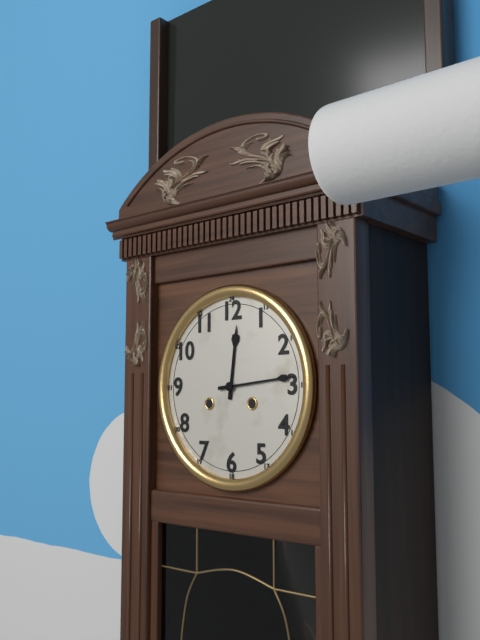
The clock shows 12:14
